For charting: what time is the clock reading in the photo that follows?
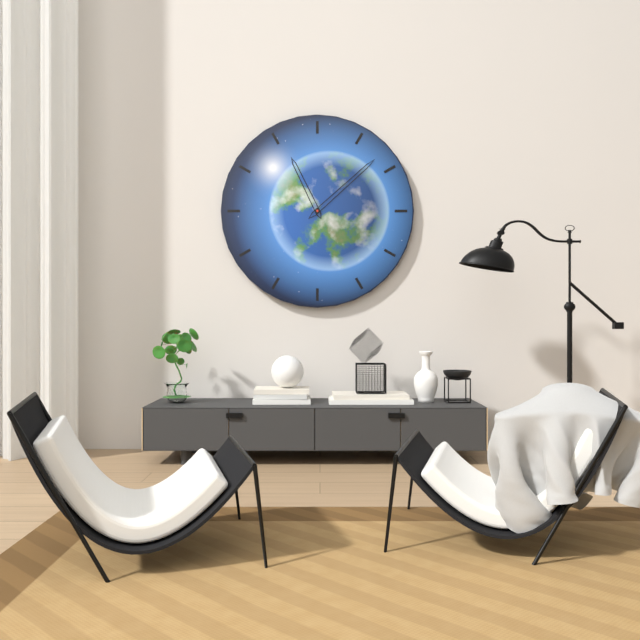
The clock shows 11:08
